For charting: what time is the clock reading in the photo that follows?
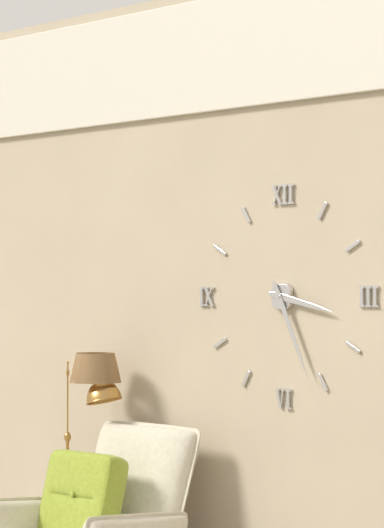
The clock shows 3:26
